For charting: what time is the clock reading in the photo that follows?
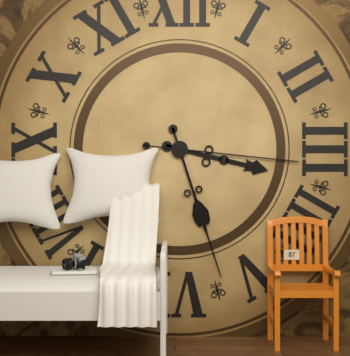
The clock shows 3:27:16
